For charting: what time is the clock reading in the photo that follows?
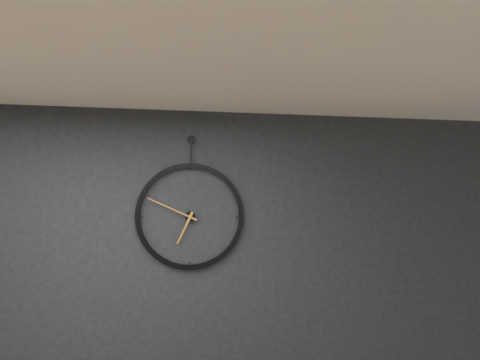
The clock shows 6:49
